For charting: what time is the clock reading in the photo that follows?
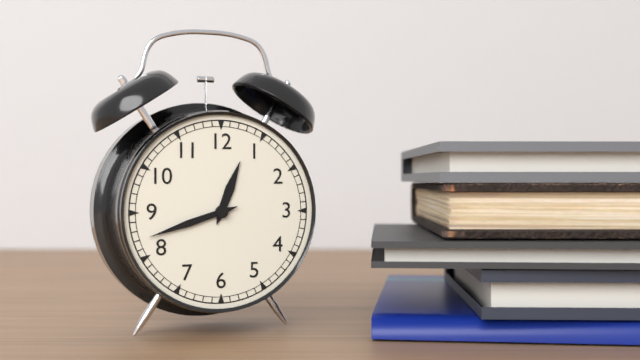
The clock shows 12:42
